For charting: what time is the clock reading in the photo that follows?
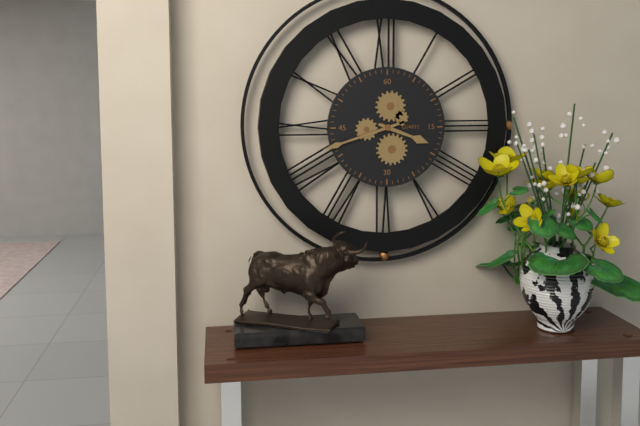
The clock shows 3:42
